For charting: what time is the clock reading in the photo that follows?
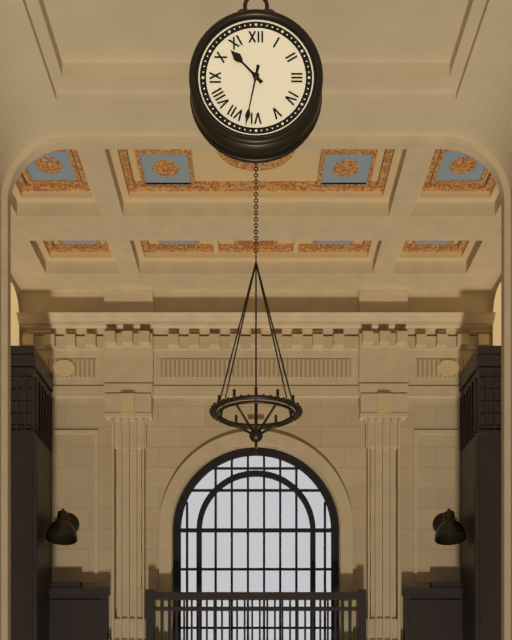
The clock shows 10:32
